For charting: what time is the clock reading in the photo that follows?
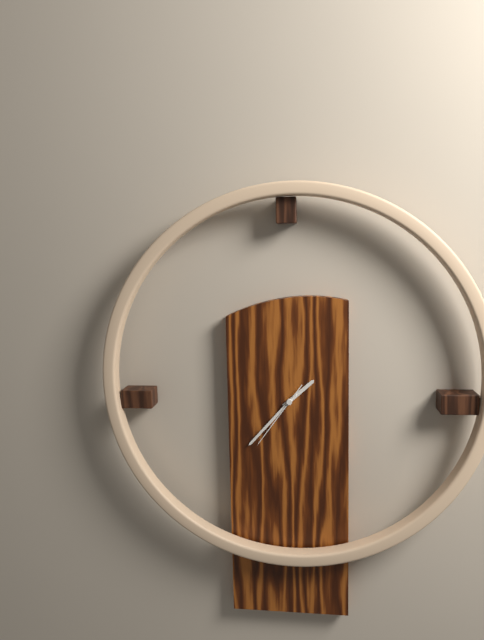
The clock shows 1:37:36
